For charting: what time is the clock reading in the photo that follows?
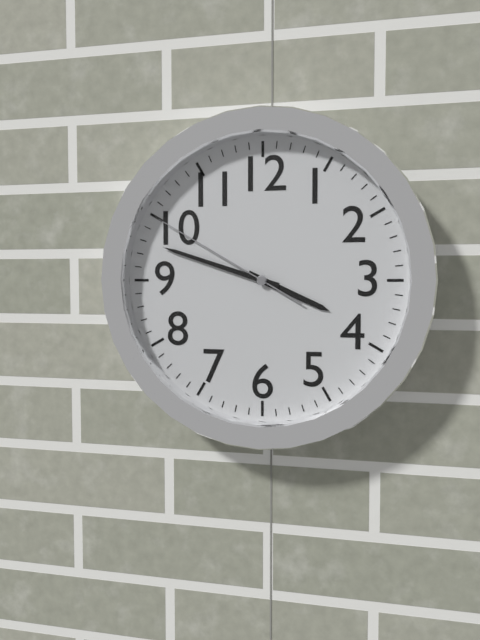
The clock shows 3:48:50
